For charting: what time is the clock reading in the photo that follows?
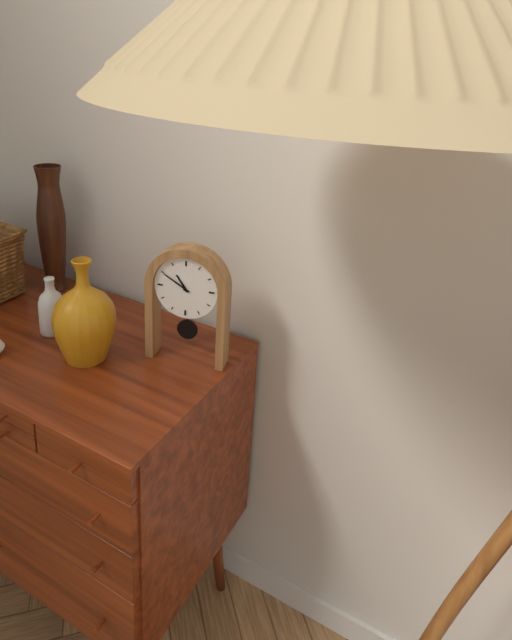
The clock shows 10:50
